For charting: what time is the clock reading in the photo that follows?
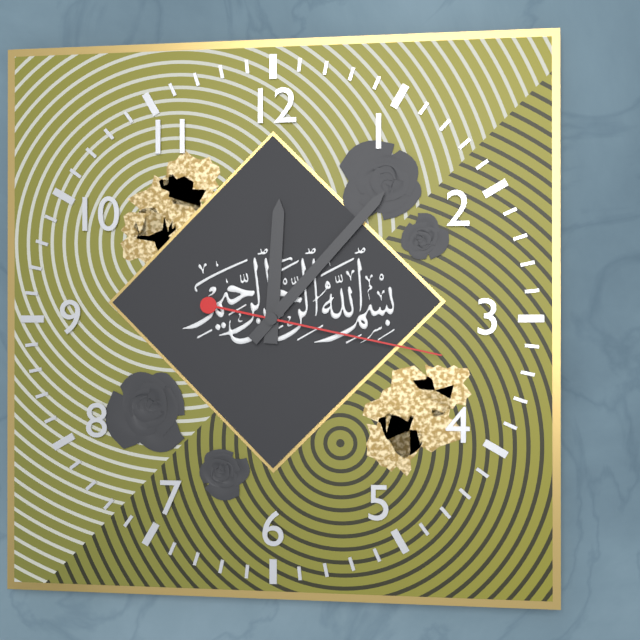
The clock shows 12:07:17
